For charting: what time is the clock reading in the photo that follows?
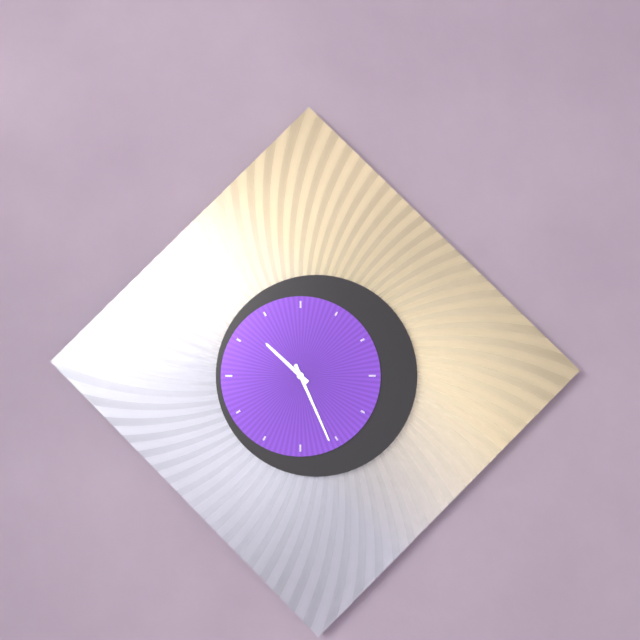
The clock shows 10:26
